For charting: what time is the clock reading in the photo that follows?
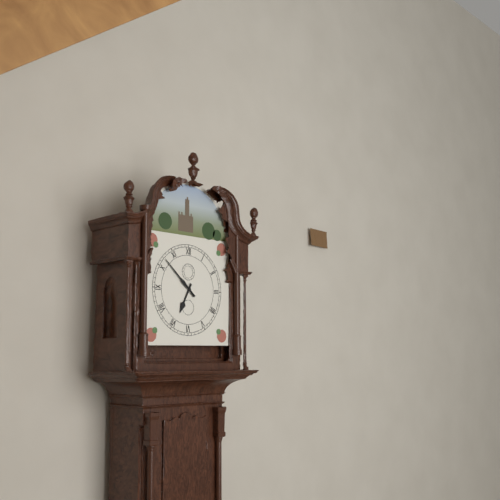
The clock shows 6:52
